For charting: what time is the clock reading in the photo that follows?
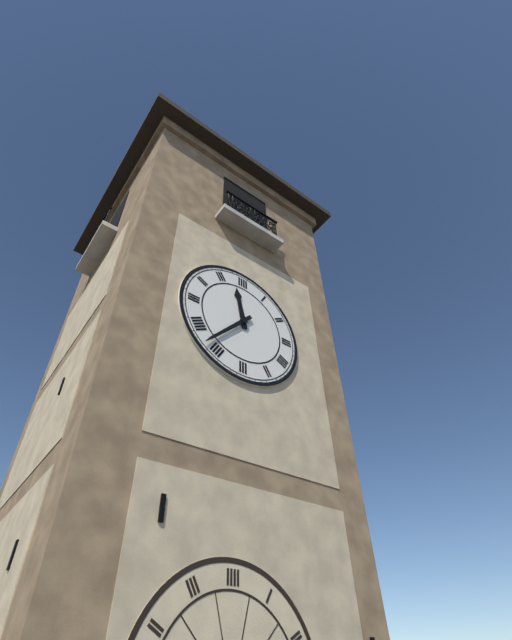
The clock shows 11:37
